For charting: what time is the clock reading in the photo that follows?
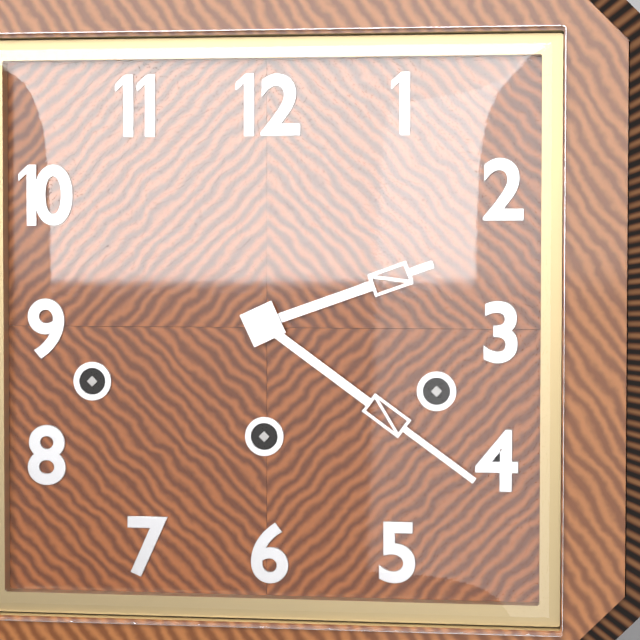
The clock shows 2:21
